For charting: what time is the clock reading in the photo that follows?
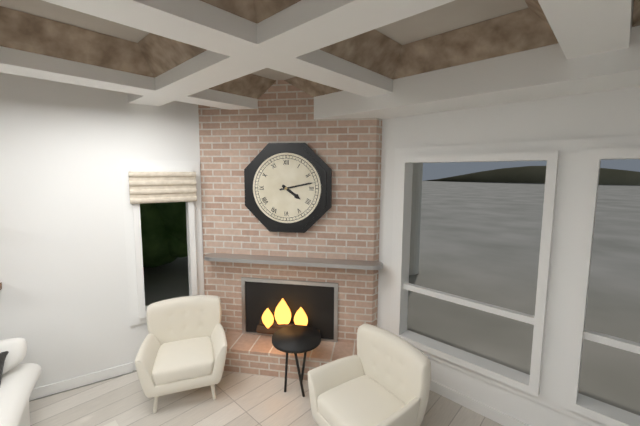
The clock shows 4:13
